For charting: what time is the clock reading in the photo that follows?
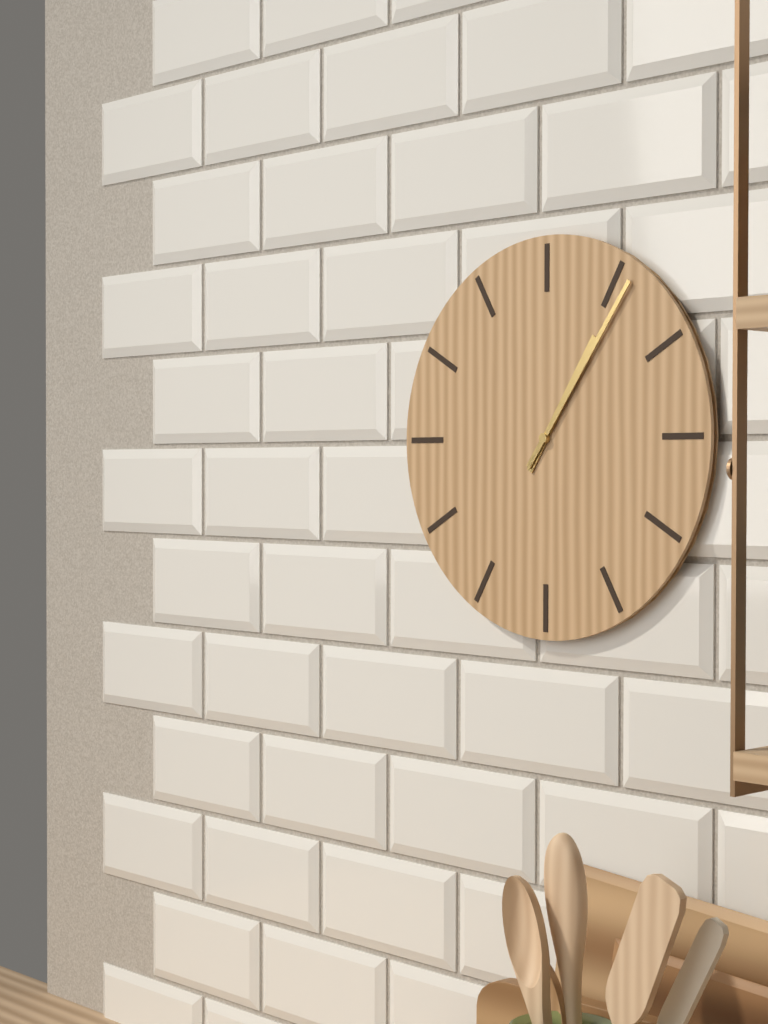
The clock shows 1:06
